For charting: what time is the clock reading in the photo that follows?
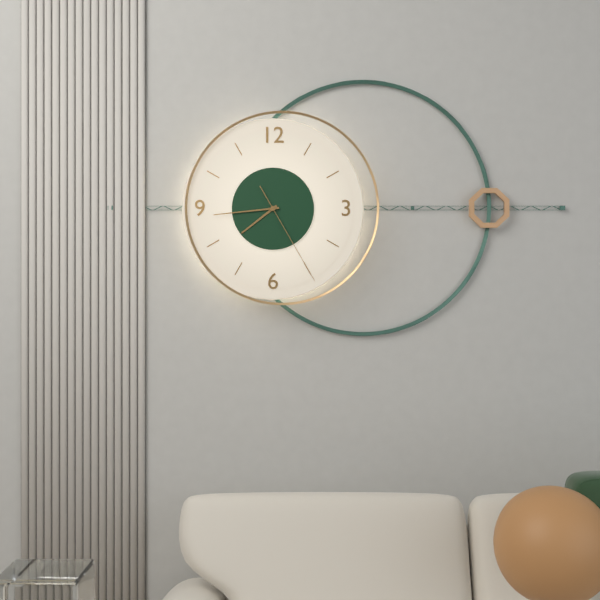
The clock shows 7:44:25
